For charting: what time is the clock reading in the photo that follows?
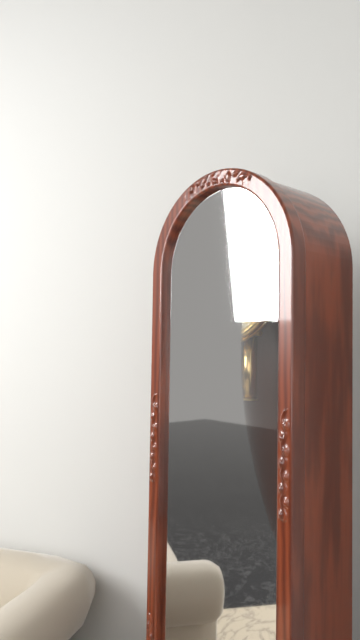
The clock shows 3:57
